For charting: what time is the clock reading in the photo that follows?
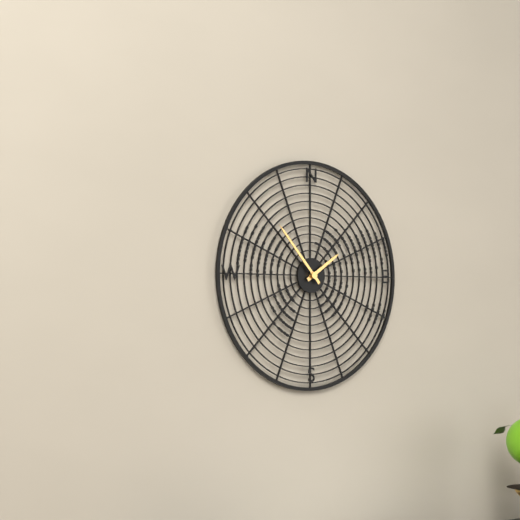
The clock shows 1:53
